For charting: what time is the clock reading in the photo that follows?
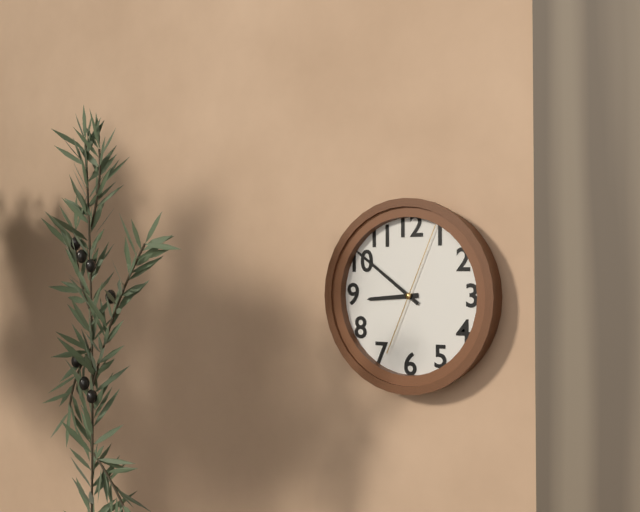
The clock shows 8:51:04
